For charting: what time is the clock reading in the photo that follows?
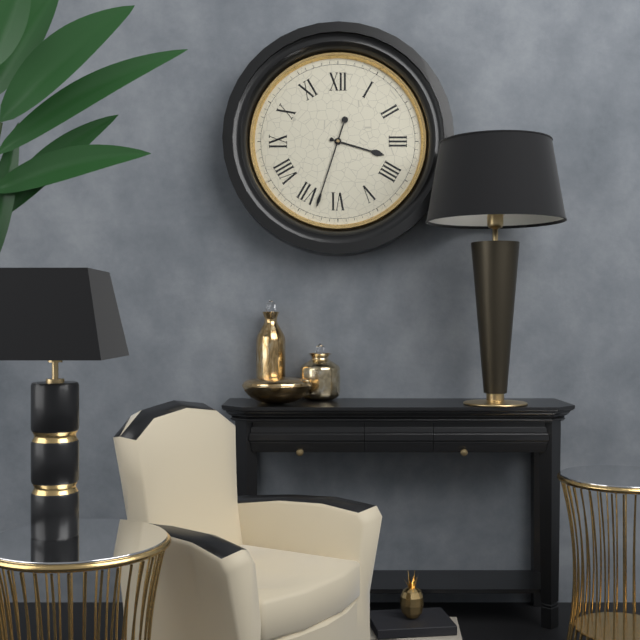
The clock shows 3:33
